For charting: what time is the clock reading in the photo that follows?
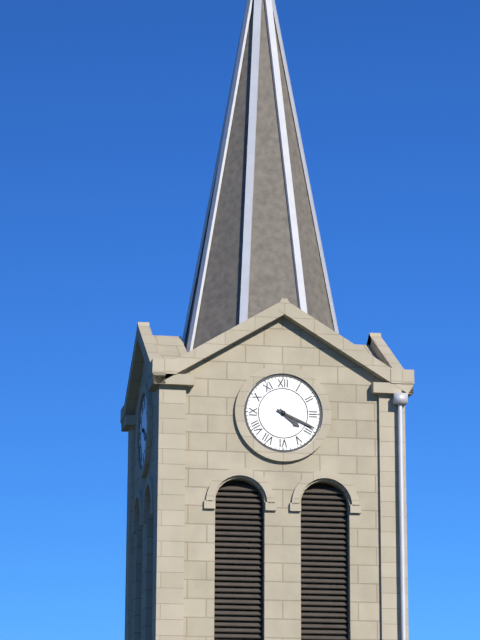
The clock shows 4:19
